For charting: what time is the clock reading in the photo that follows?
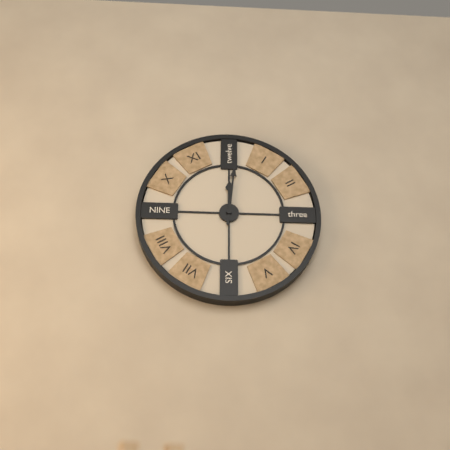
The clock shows 12:01
